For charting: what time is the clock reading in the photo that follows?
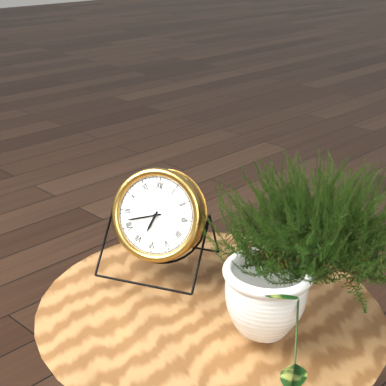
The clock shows 6:42
